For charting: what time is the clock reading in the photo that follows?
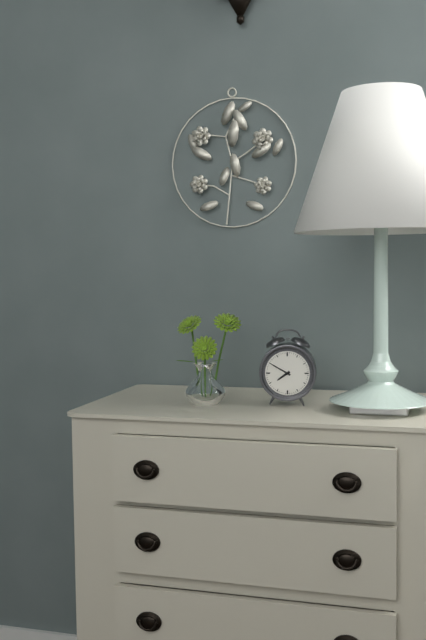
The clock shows 7:50
